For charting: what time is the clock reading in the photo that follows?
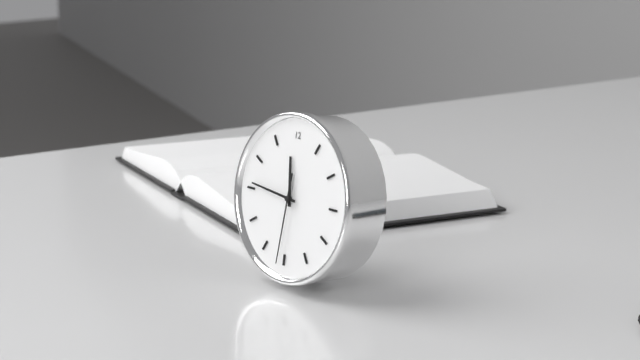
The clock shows 11:46:31
